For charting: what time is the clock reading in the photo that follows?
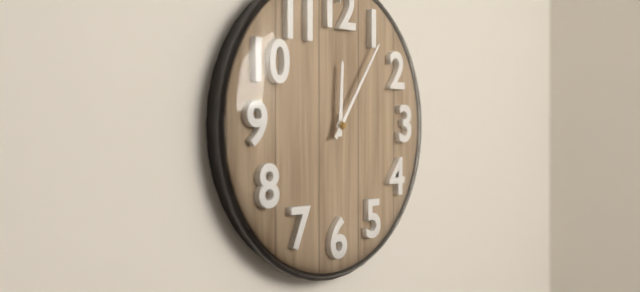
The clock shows 12:06
